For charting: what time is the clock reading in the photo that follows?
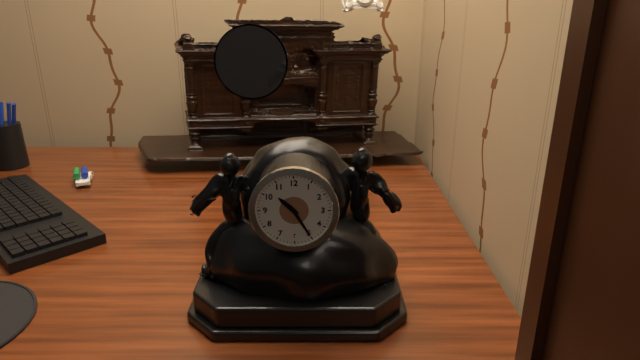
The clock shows 10:25
